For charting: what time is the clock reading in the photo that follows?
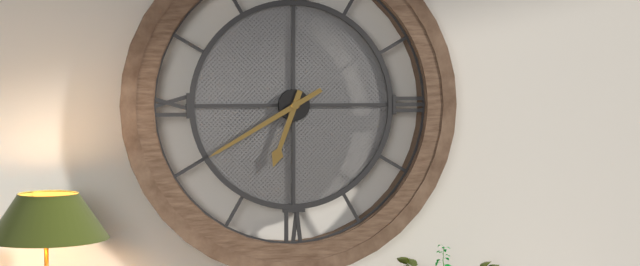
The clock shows 6:40
